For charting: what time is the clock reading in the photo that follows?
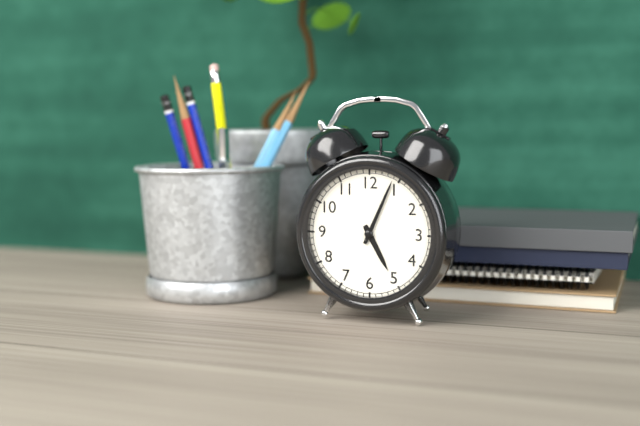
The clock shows 5:04
